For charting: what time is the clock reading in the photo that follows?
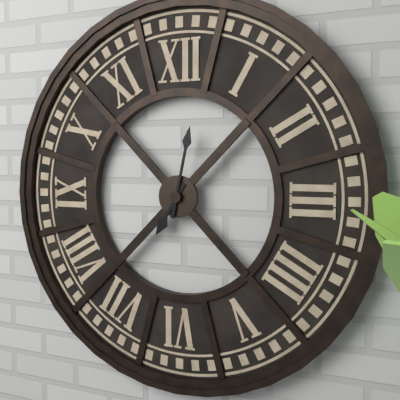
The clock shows 7:02
